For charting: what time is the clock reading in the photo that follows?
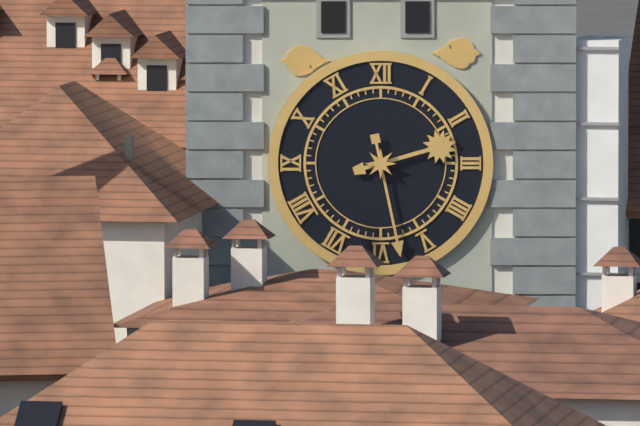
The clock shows 2:28
